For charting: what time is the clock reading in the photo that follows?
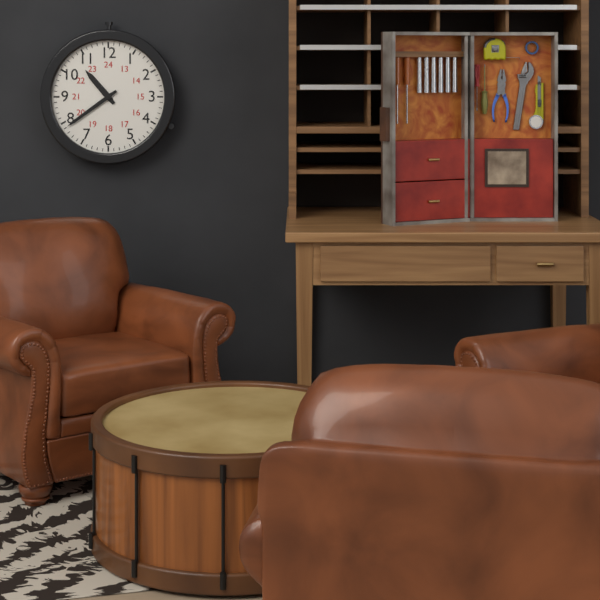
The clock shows 10:39
